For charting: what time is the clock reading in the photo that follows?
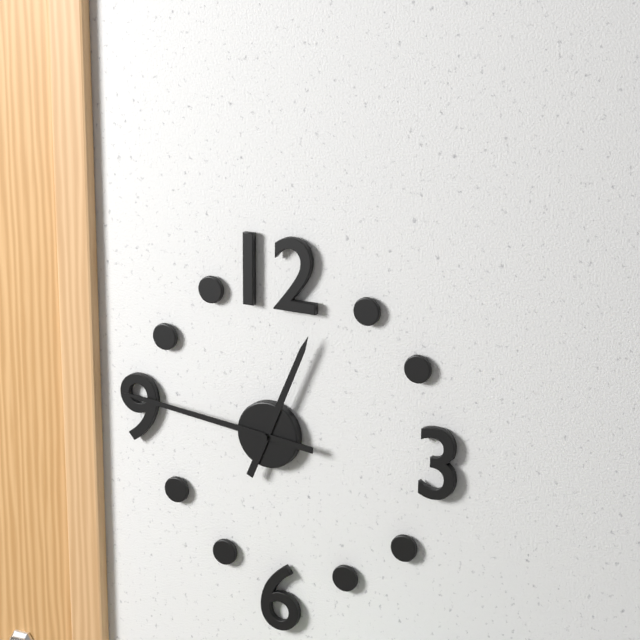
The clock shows 12:46
